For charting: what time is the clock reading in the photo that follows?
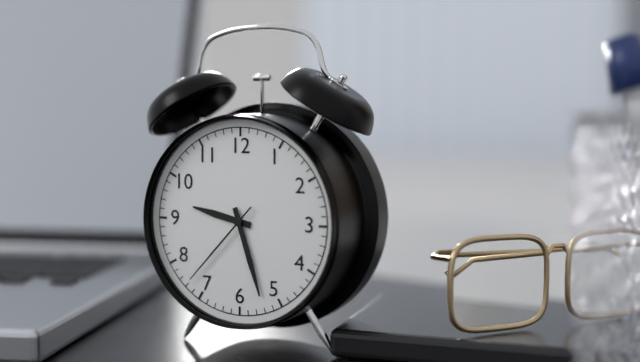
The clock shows 9:27:37
